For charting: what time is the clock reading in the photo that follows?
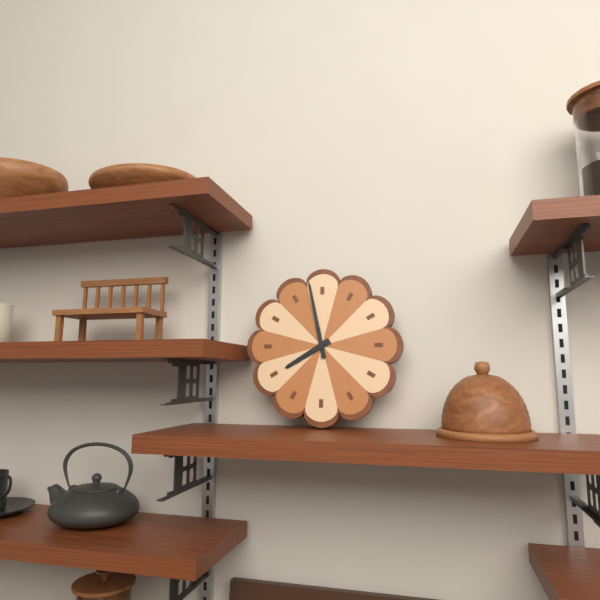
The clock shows 7:58
